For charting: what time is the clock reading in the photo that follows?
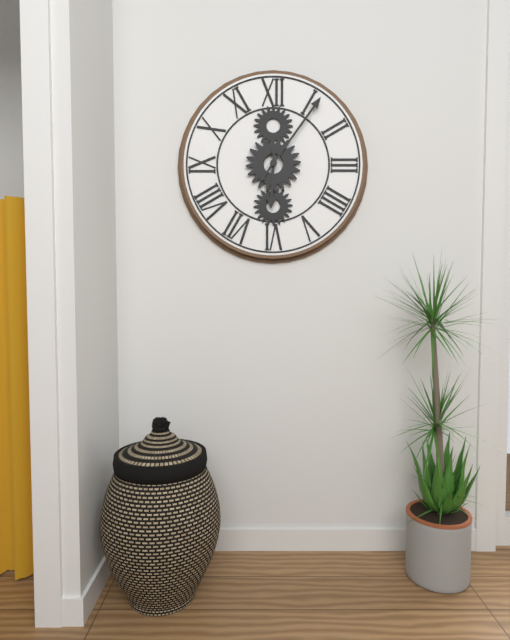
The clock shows 6:06
